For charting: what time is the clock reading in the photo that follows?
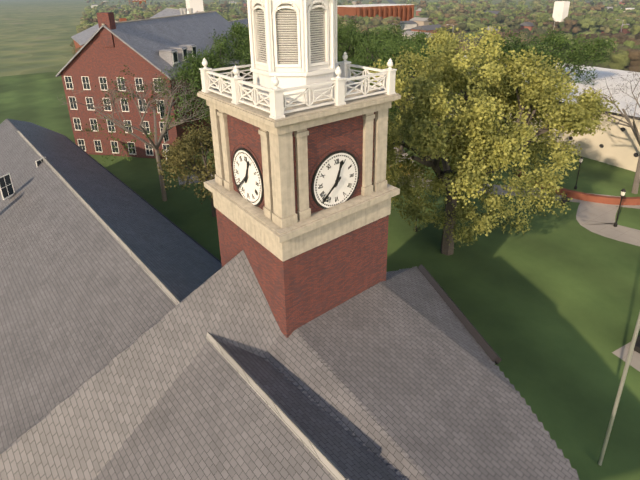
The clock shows 12:38
